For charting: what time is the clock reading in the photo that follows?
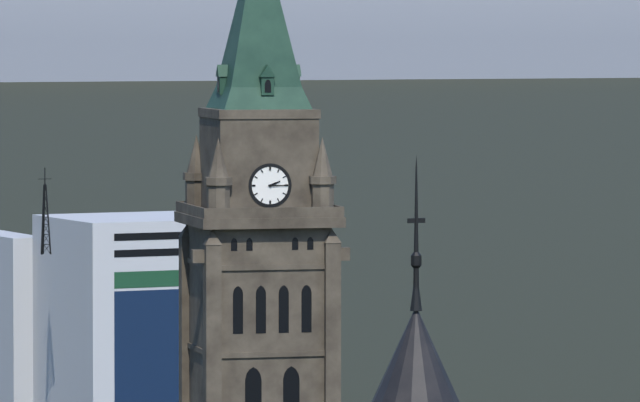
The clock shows 2:15
